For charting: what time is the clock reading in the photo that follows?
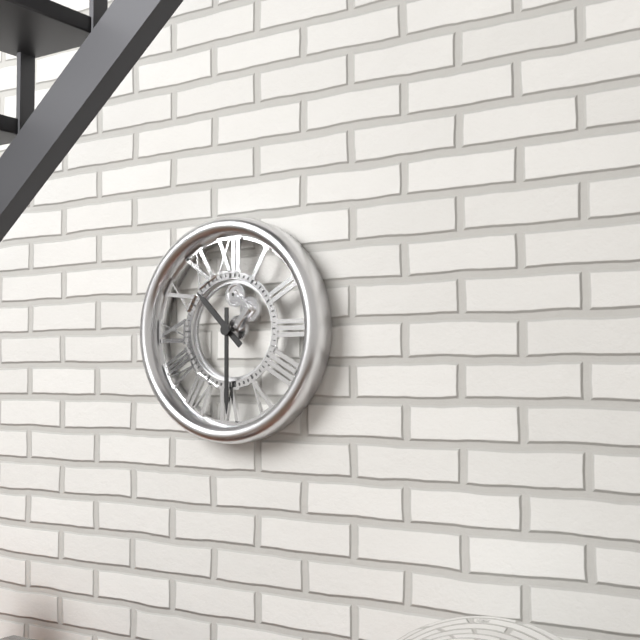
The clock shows 10:30
